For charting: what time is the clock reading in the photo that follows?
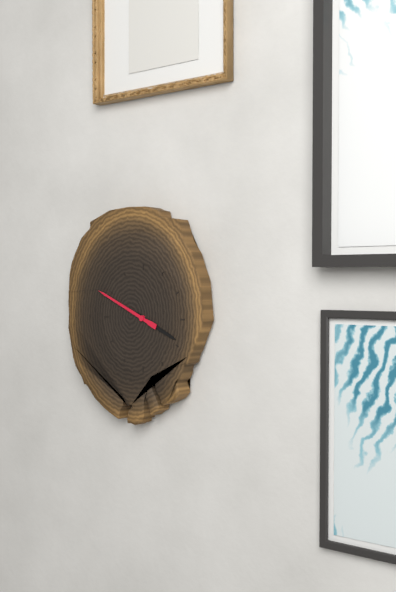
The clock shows 3:49
